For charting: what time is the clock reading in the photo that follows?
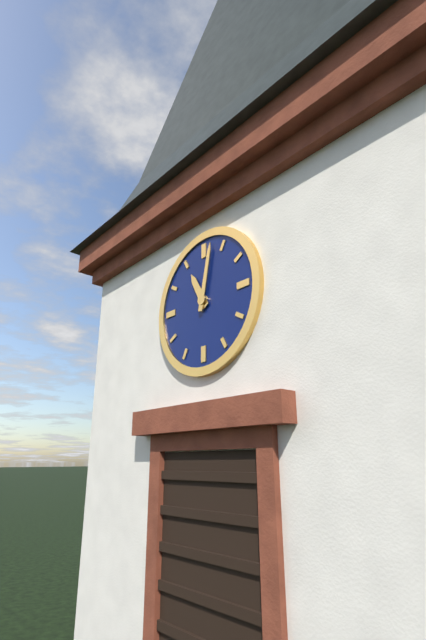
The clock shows 11:02
